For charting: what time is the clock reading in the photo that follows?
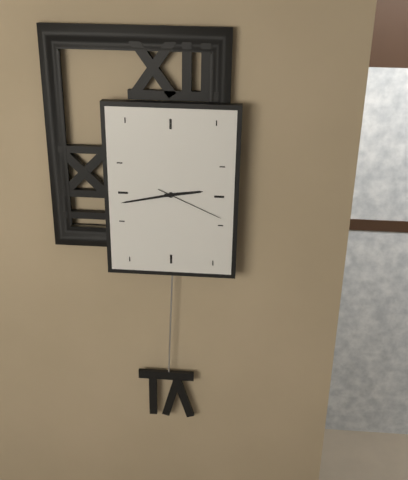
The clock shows 2:43:19
